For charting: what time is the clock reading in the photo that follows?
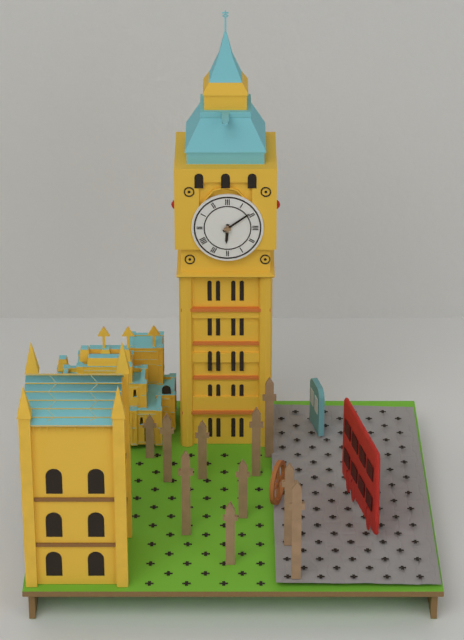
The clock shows 6:09
